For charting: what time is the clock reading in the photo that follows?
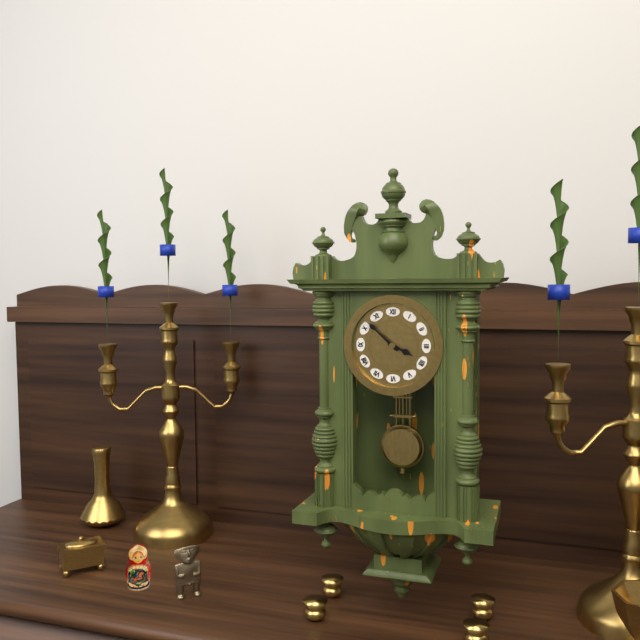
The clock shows 3:52
